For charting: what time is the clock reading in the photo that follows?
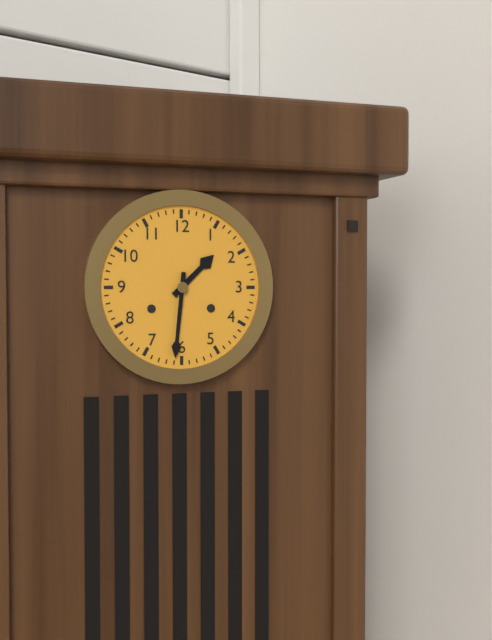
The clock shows 1:31
